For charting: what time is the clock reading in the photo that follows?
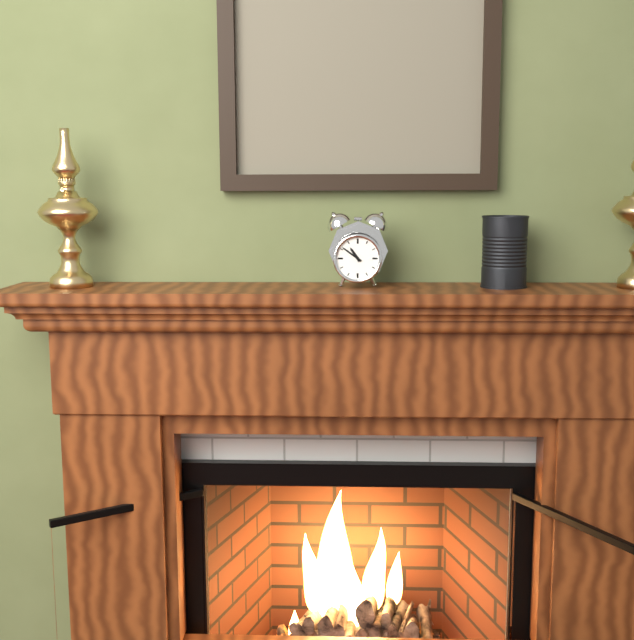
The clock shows 10:51
